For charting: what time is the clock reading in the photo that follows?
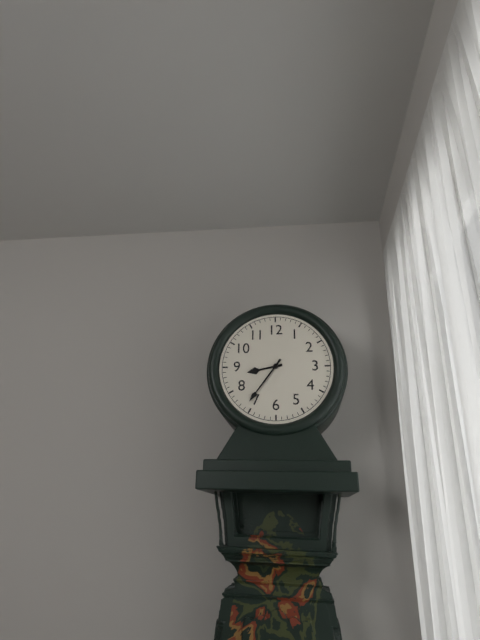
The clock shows 8:36
